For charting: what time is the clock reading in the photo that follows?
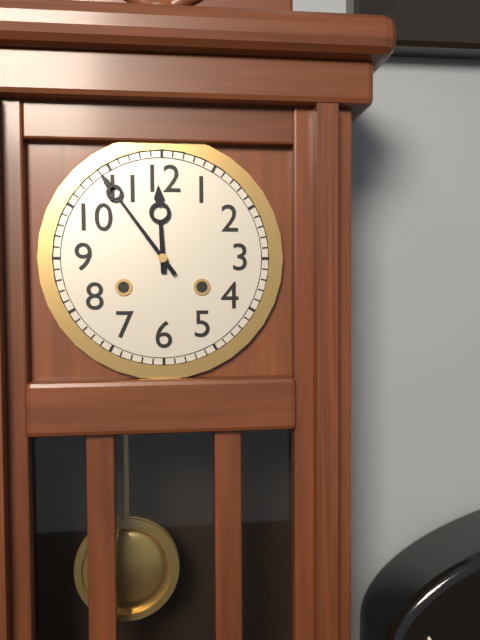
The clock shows 11:54
